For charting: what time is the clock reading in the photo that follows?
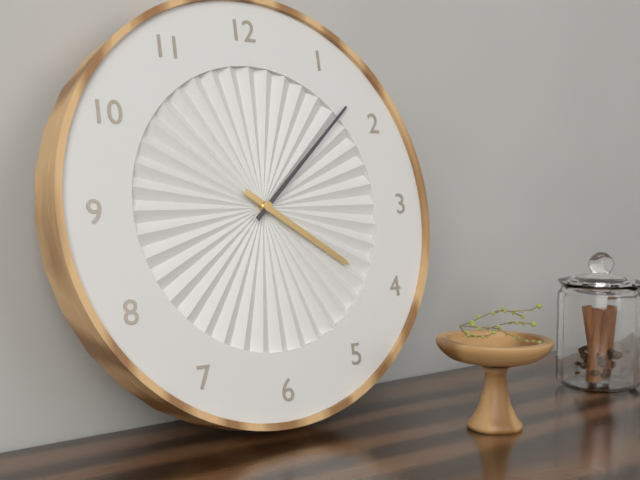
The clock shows 4:08
